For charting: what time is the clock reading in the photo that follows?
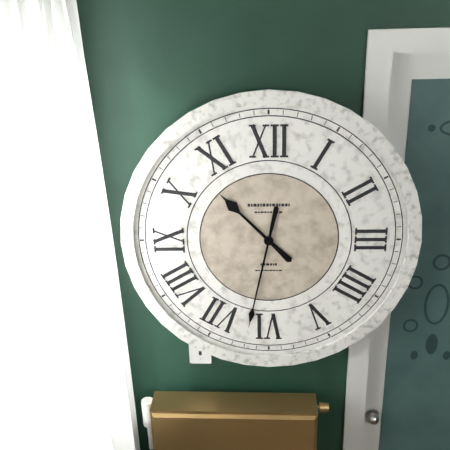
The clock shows 10:32
